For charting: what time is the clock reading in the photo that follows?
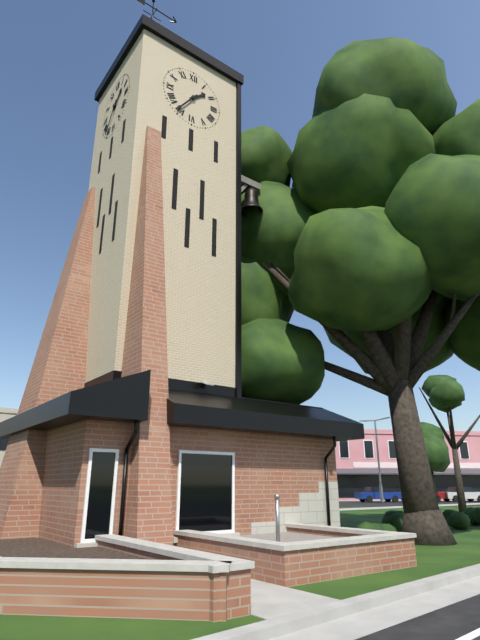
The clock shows 1:36
